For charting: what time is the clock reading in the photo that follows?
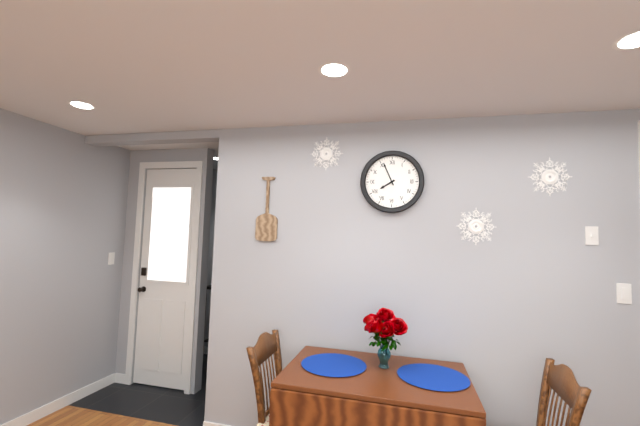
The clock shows 7:56
